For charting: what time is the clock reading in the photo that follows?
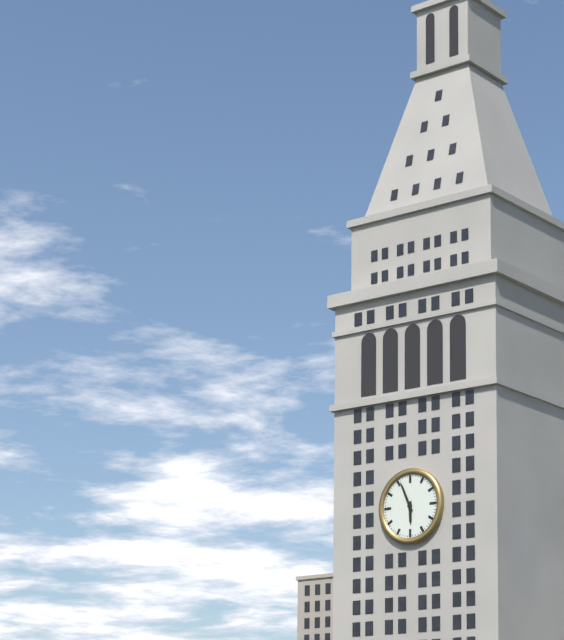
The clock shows 5:56
